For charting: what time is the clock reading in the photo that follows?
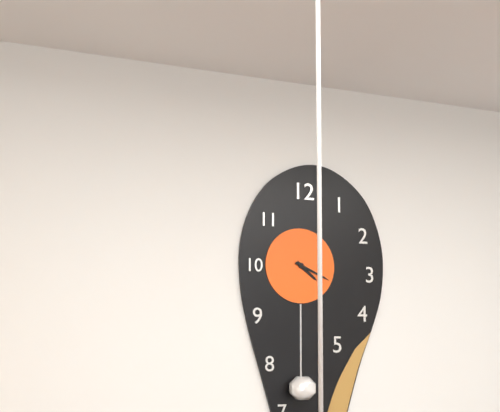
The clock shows 4:19
